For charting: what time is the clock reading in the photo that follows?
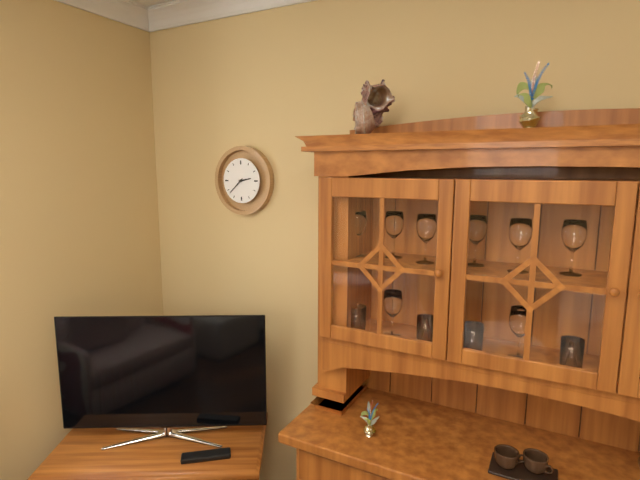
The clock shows 2:38
